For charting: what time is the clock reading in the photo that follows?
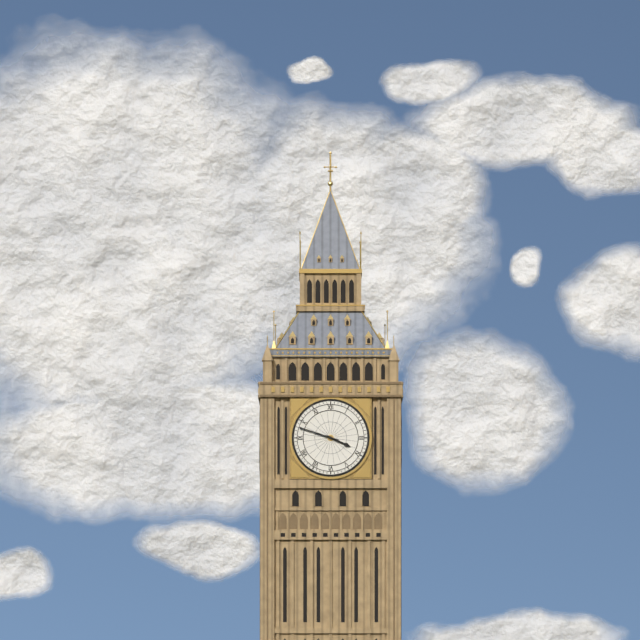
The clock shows 3:48
